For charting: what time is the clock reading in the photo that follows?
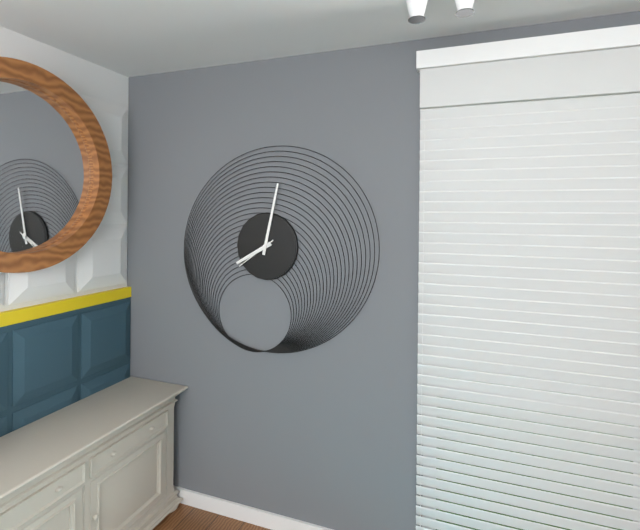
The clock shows 8:02
